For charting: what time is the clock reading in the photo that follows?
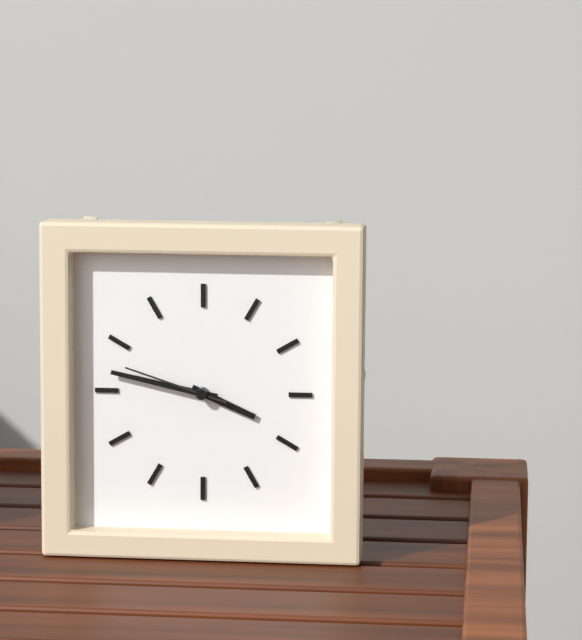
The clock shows 3:47:48
